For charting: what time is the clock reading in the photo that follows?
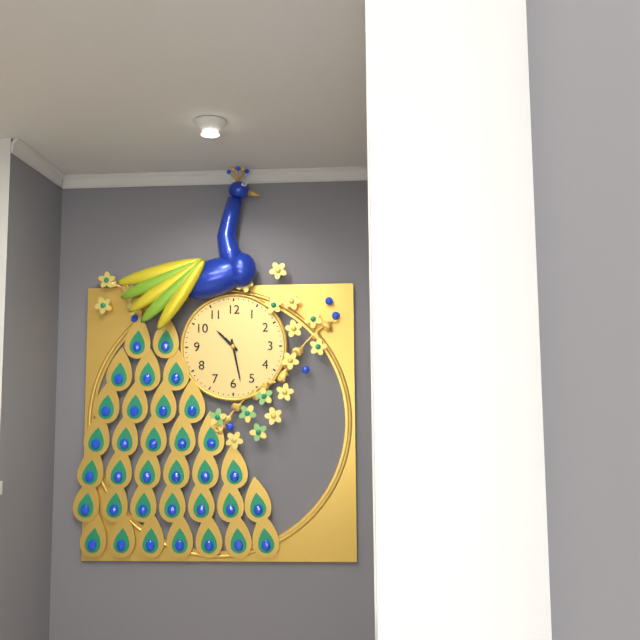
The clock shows 10:28
